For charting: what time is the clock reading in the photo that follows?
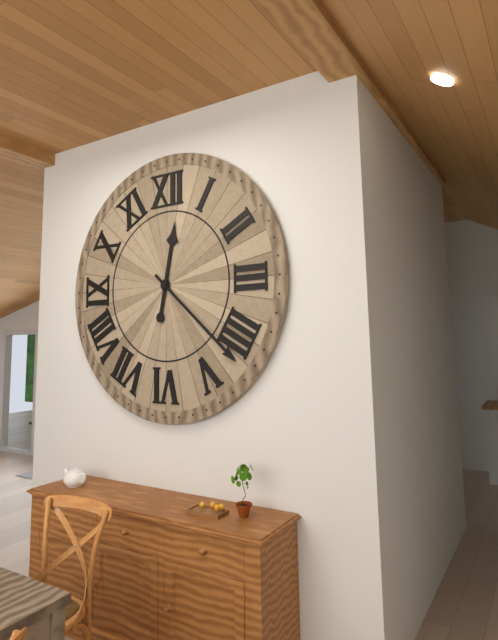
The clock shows 12:22
